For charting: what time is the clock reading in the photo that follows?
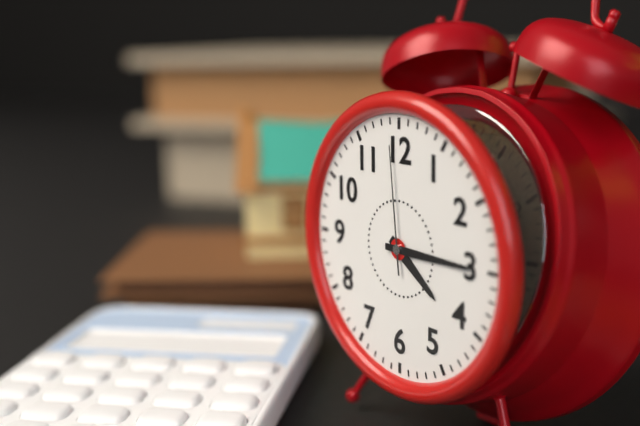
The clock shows 4:15:59
